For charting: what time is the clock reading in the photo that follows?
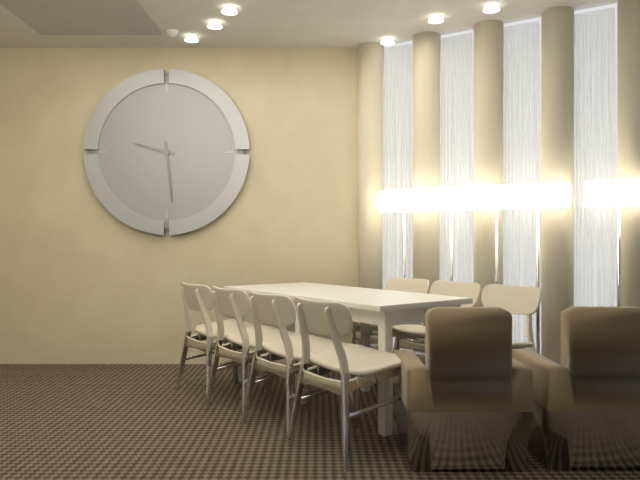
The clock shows 9:29
